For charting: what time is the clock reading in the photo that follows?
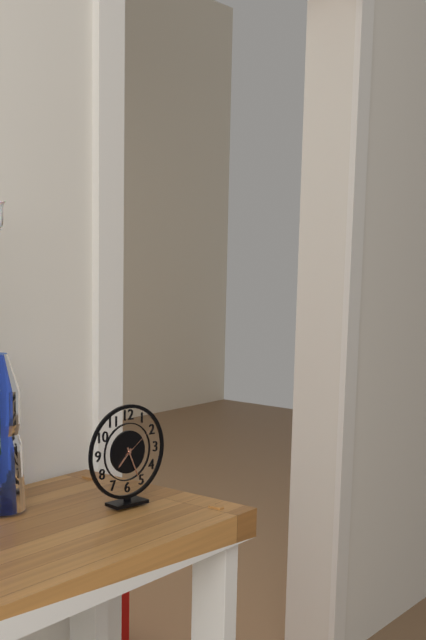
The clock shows 7:26
